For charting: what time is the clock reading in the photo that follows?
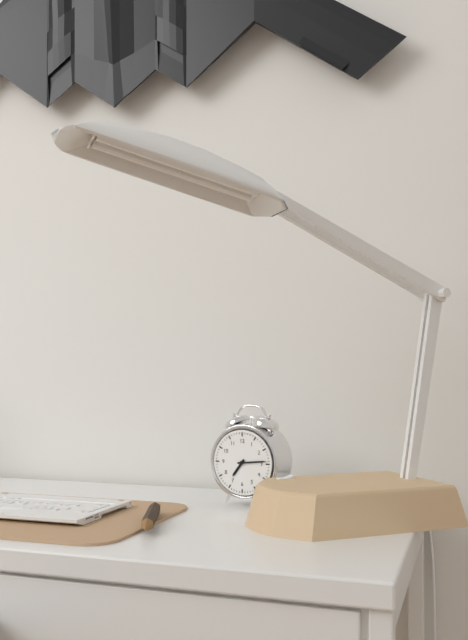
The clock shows 7:14
